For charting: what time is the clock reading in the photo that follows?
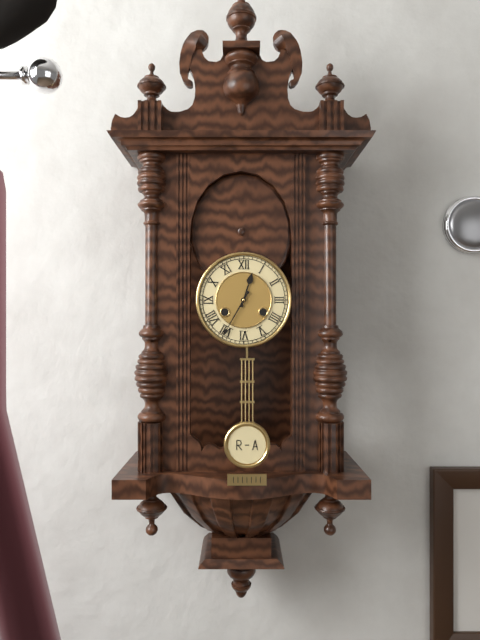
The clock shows 12:35
